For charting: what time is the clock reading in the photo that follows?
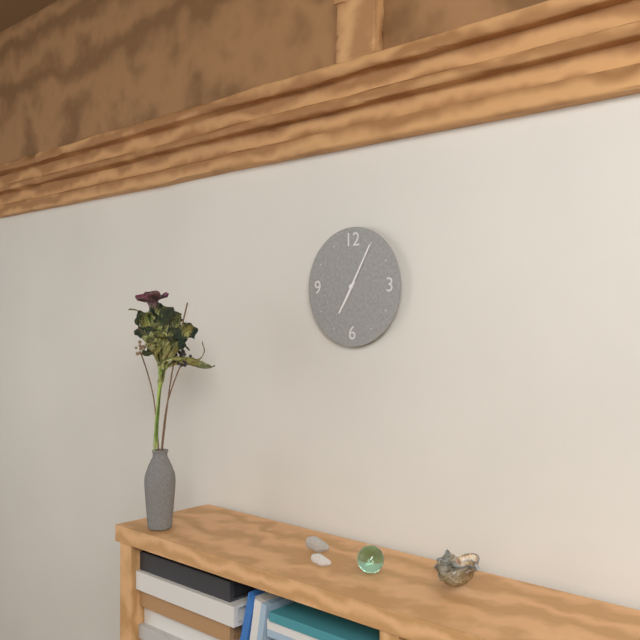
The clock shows 7:05
